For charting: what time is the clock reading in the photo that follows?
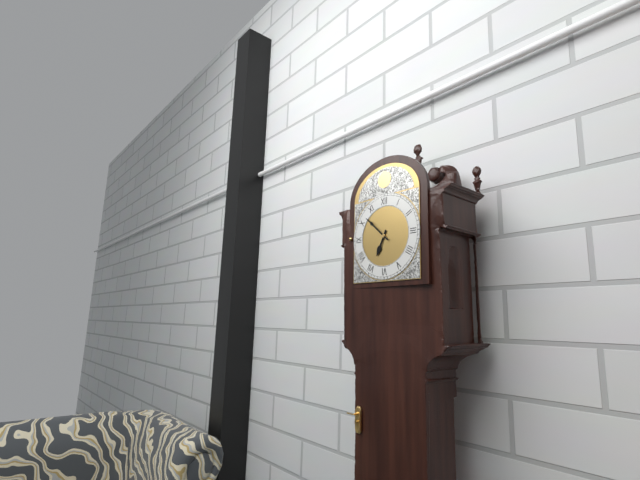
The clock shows 6:52
